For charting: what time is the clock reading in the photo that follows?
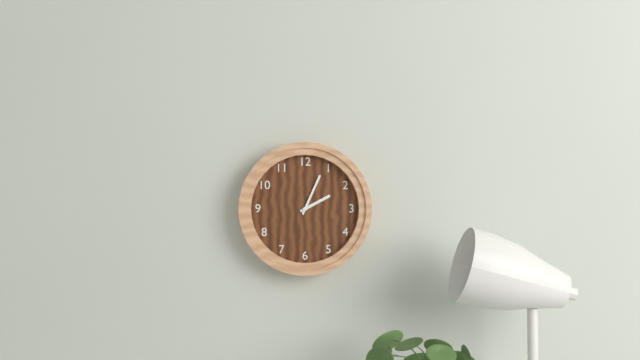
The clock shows 2:04
